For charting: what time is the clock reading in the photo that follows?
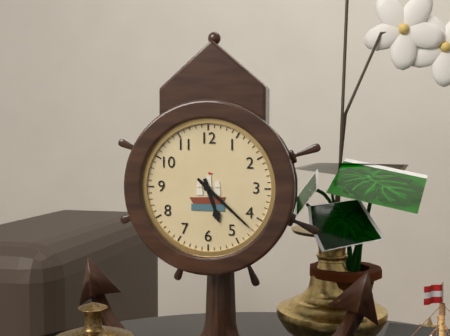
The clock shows 5:22
